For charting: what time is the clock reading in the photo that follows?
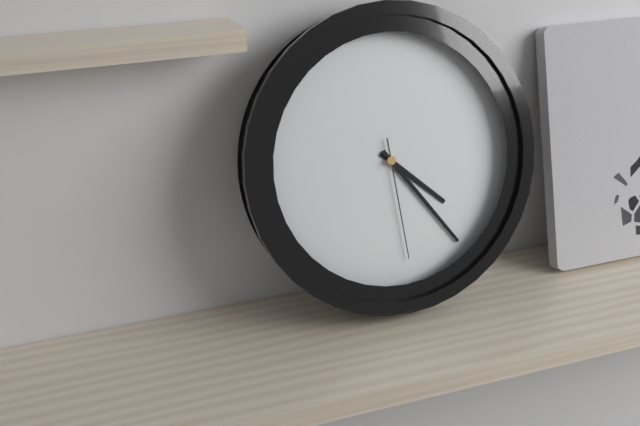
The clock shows 4:24:29
